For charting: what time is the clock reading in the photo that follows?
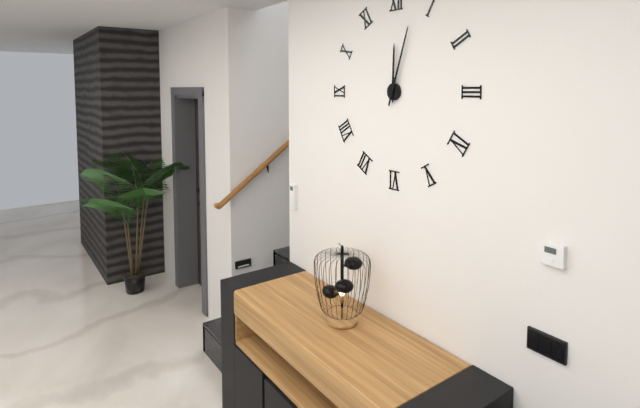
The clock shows 12:03
